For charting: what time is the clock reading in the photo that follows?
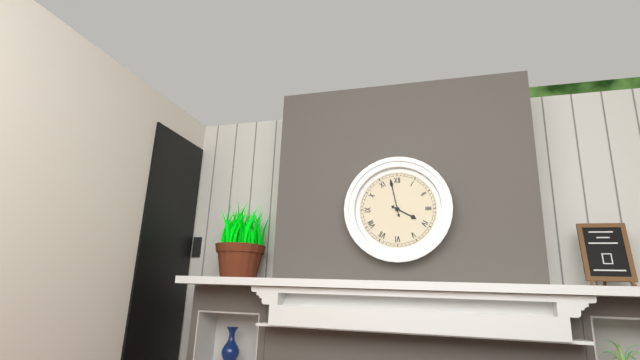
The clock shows 3:58
